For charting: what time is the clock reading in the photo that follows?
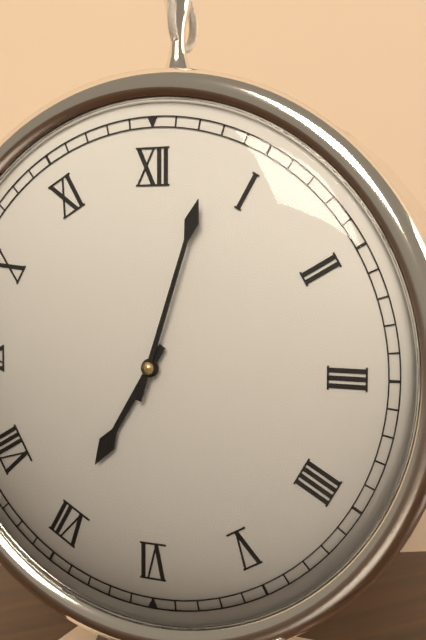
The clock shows 7:03
